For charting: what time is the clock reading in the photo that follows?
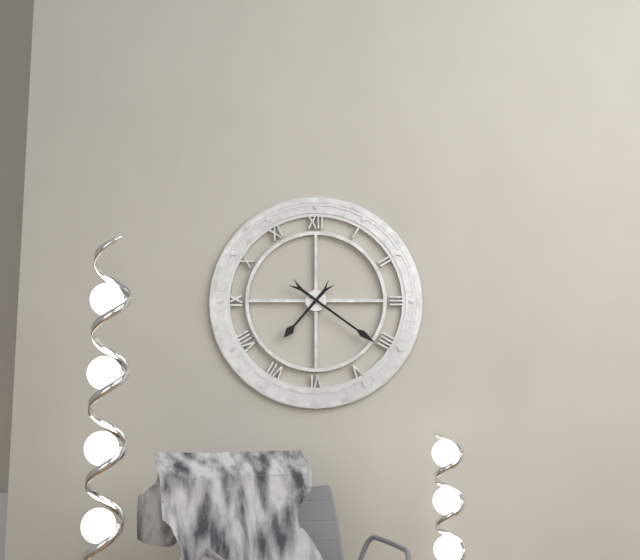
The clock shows 7:21
